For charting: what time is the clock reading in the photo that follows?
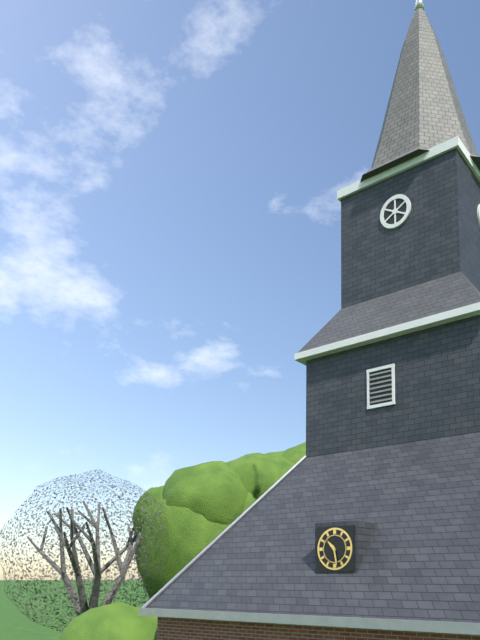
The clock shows 10:28
